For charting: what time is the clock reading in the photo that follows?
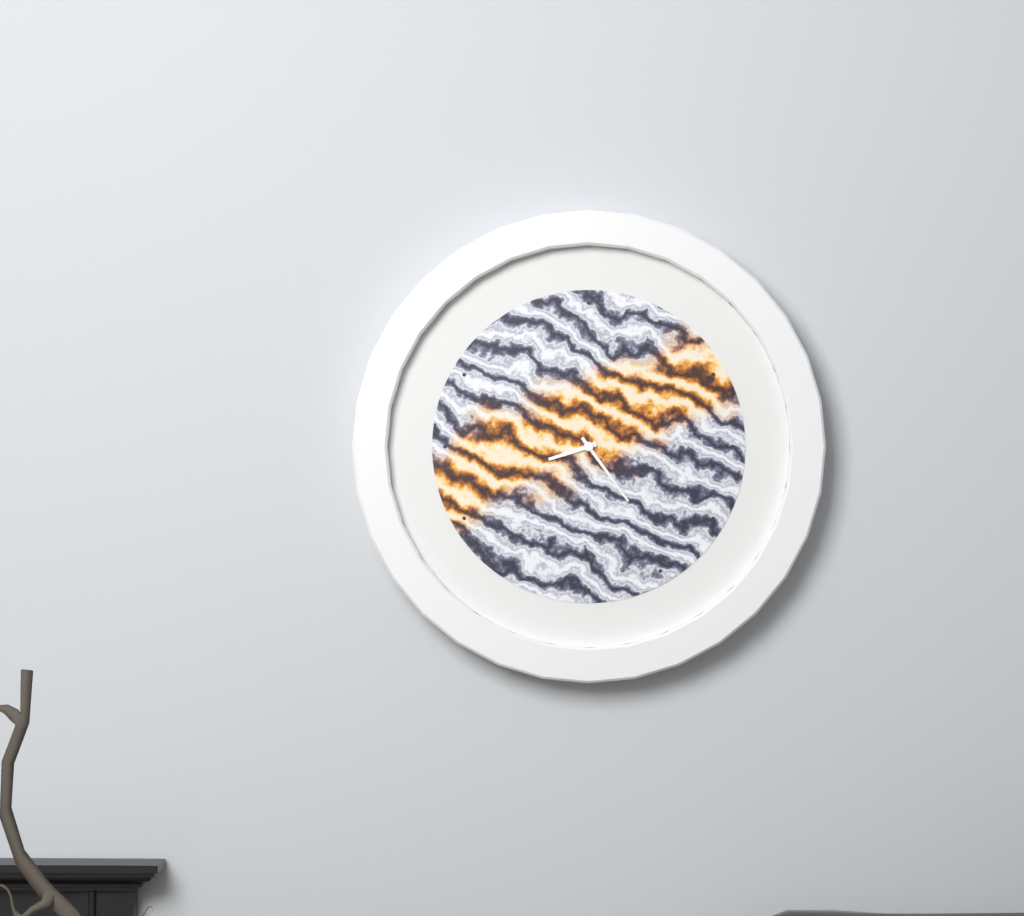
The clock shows 8:24
